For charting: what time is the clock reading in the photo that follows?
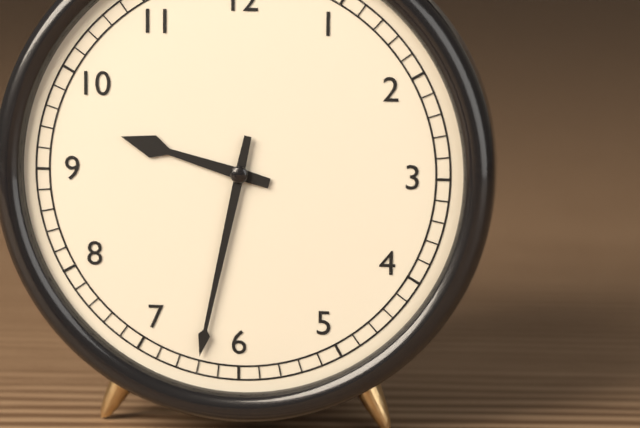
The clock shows 9:32
